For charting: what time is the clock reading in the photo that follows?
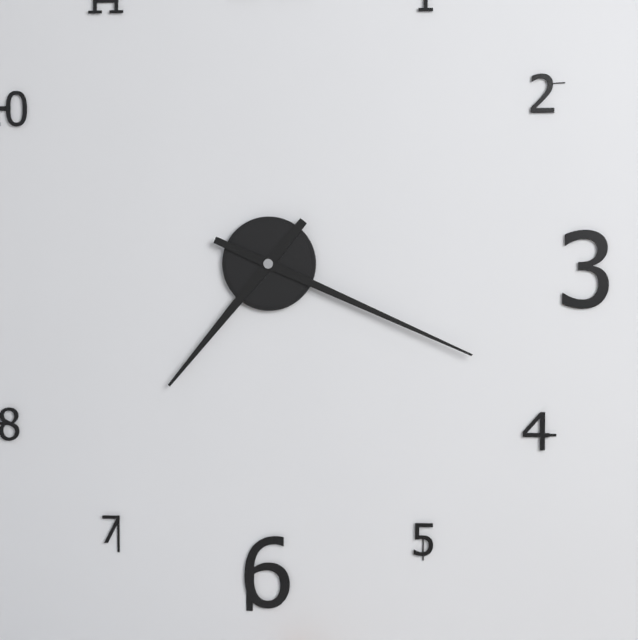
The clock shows 7:19
